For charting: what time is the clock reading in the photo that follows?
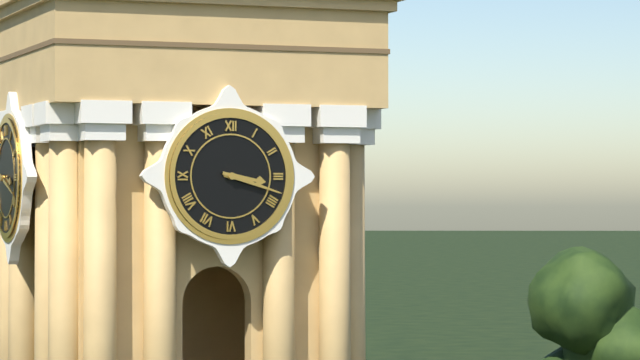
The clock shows 3:18
